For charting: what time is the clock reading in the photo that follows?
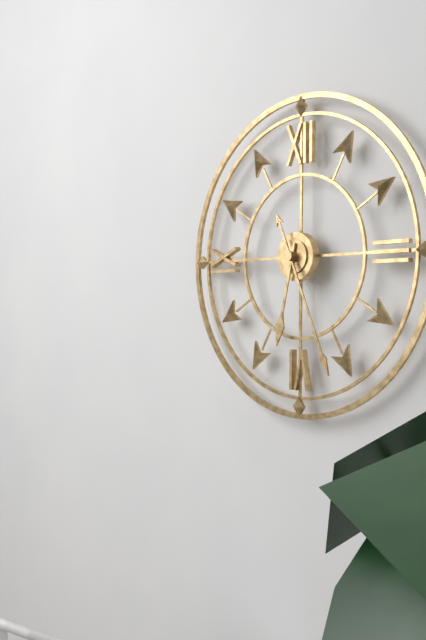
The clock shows 6:26
